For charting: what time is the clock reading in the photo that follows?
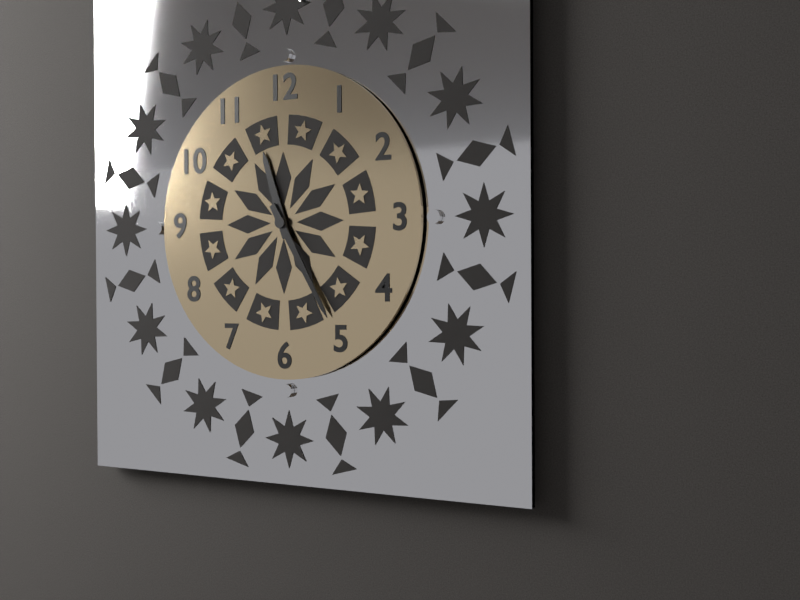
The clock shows 11:25
